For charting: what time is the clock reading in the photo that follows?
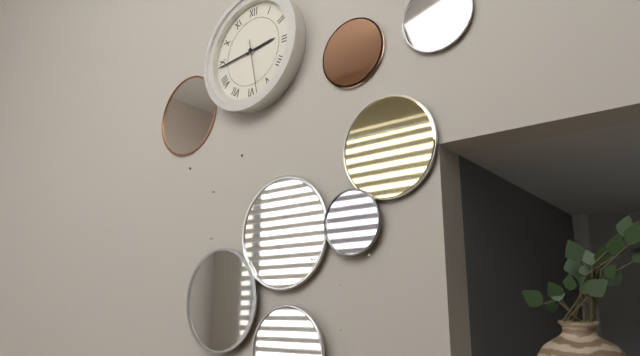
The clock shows 2:44:28
